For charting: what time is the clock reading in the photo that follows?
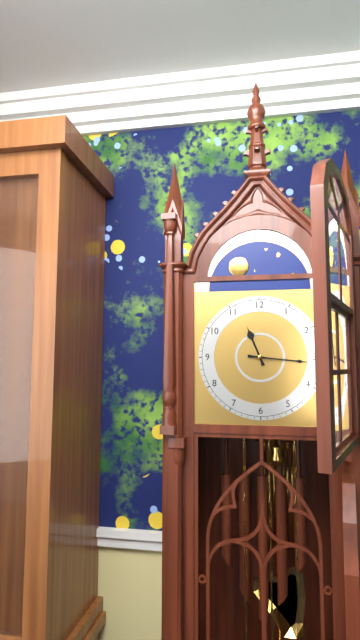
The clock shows 11:16
